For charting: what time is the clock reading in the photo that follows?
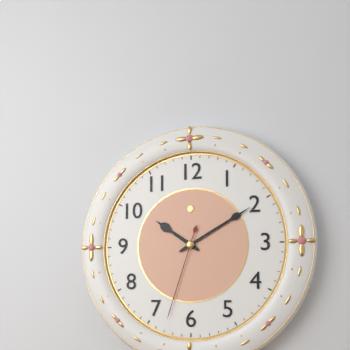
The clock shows 10:10:33
